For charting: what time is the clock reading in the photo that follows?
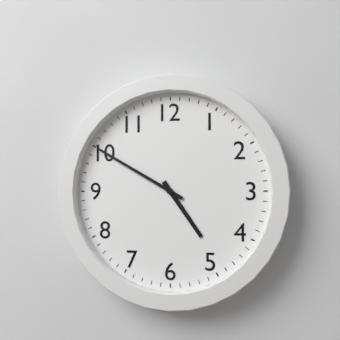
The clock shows 4:50
